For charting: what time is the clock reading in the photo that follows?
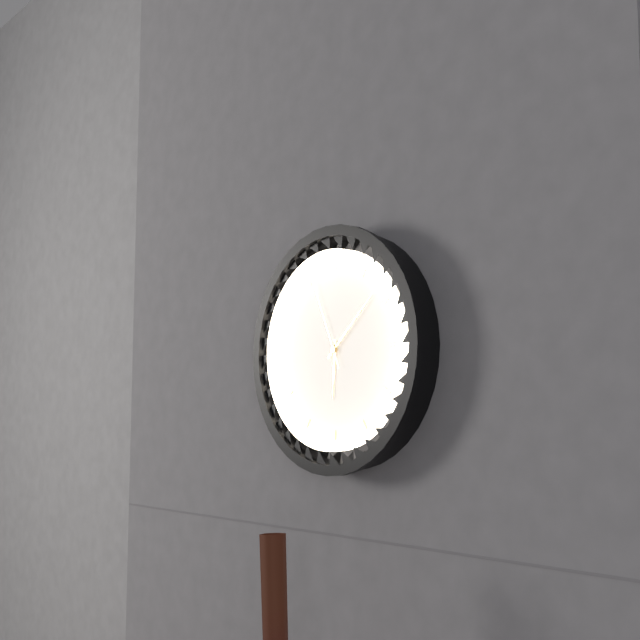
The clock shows 6:08:56
